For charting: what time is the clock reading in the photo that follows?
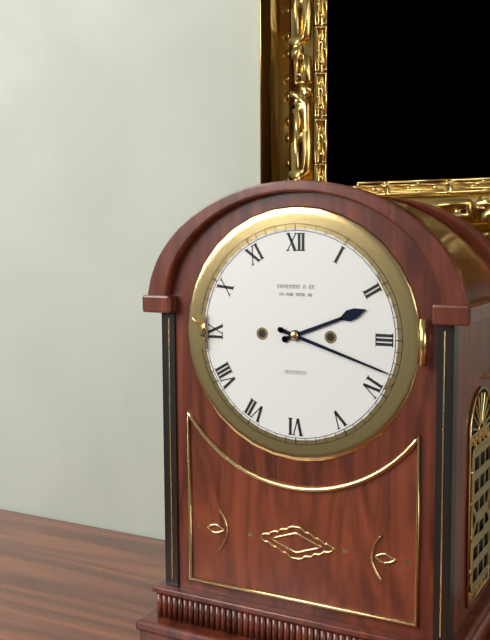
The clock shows 2:18
